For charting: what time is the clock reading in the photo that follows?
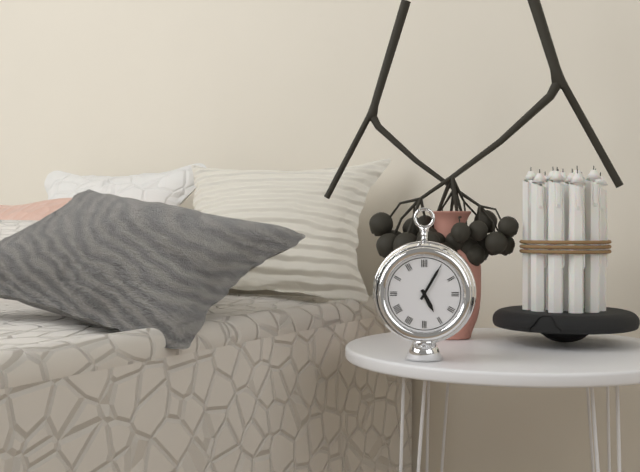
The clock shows 5:05
